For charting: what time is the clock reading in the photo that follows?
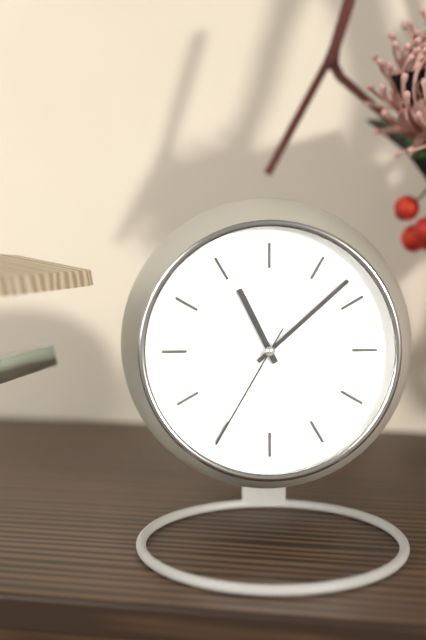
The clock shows 11:08:35
